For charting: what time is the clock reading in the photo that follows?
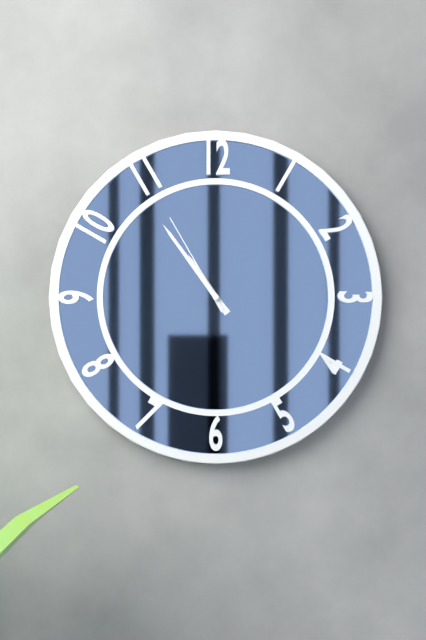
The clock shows 10:54:55
